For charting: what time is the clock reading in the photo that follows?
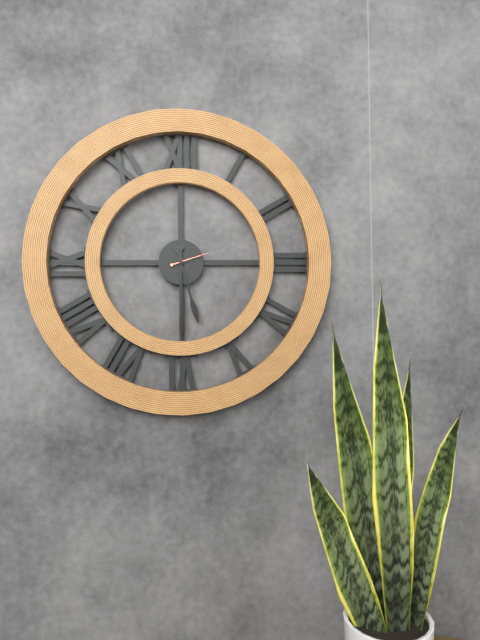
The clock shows 5:30
